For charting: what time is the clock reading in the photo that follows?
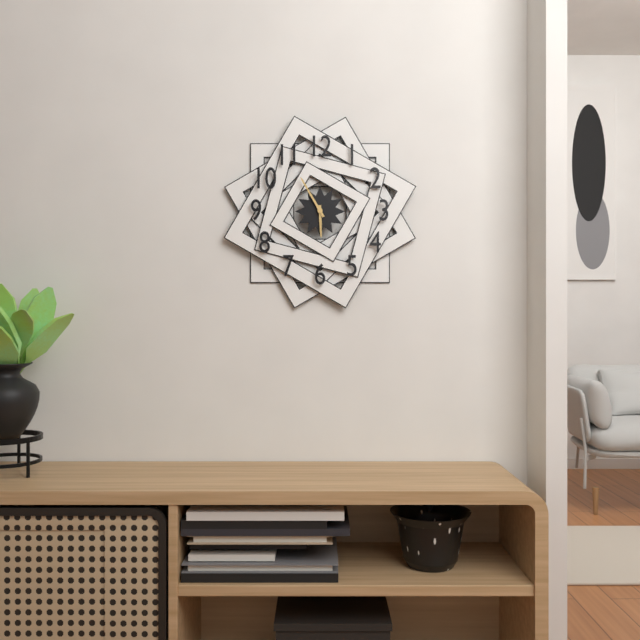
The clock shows 5:55
